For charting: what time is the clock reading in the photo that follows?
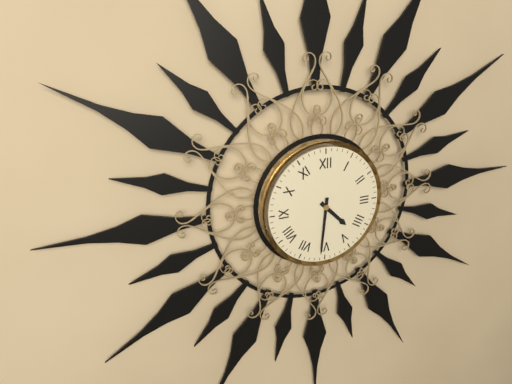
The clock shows 4:31
